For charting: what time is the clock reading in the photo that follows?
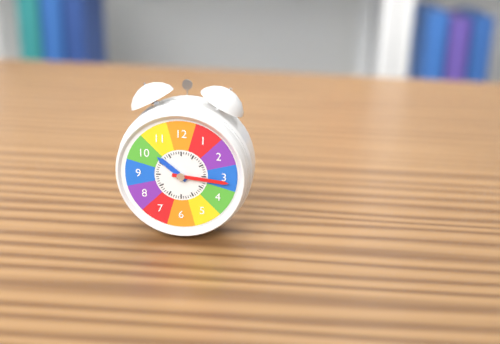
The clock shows 10:16
